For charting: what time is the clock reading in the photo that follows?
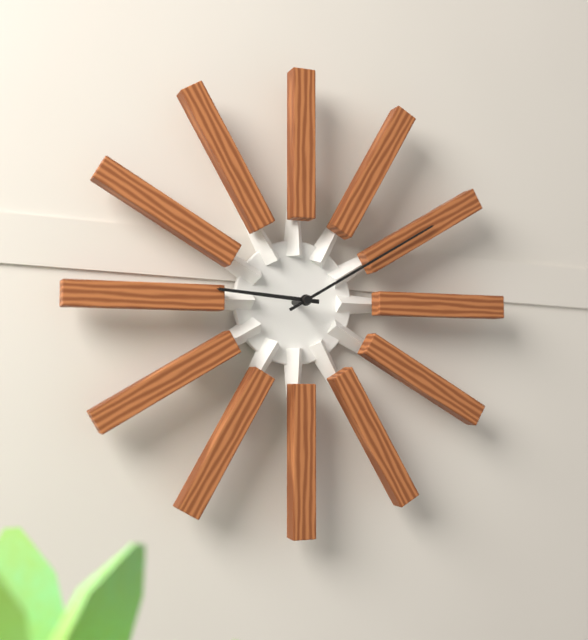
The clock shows 9:10
